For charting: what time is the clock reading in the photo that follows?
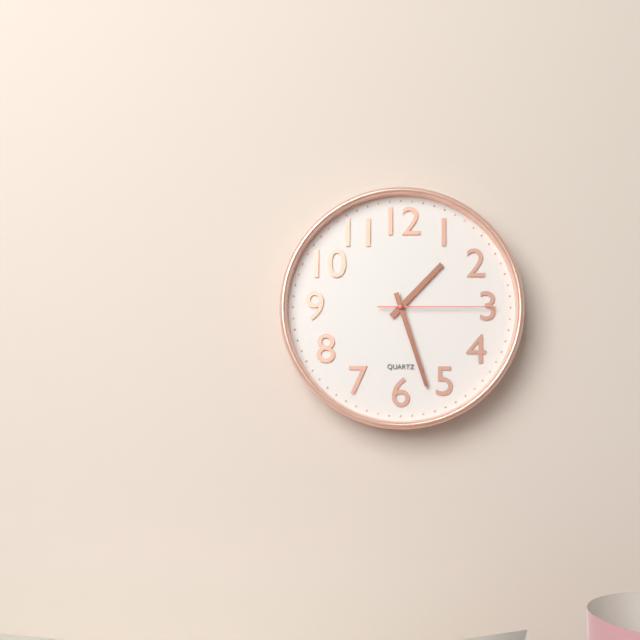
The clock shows 1:27:15
